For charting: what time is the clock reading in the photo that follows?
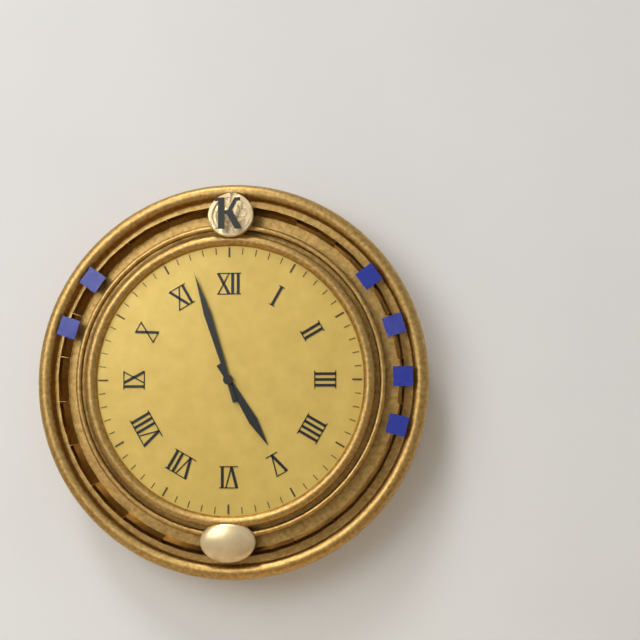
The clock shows 4:57
